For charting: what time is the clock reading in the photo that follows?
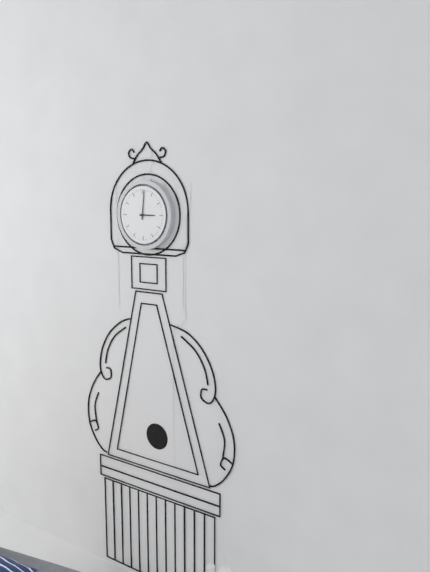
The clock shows 3:01
